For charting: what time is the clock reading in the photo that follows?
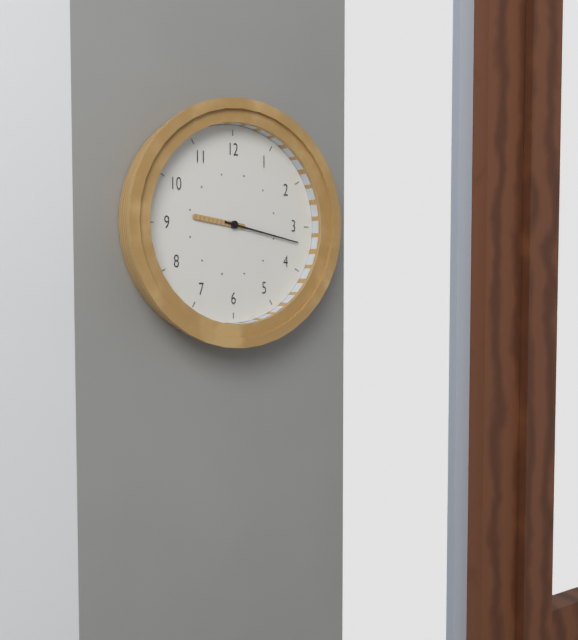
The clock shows 9:17
